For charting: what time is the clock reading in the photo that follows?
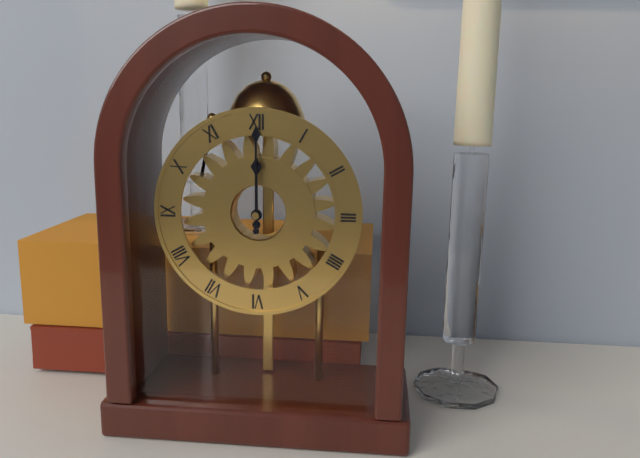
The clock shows 12:00
